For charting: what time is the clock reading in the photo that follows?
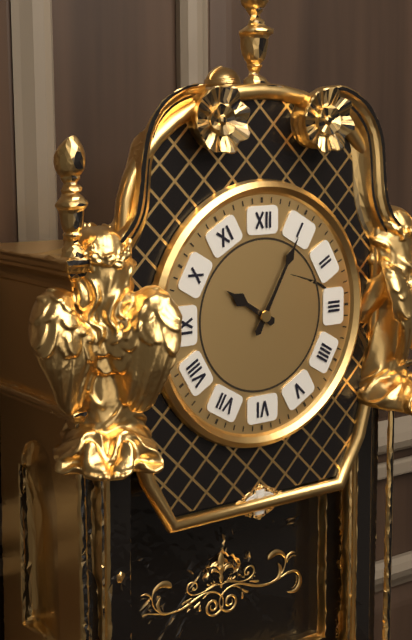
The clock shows 10:05
